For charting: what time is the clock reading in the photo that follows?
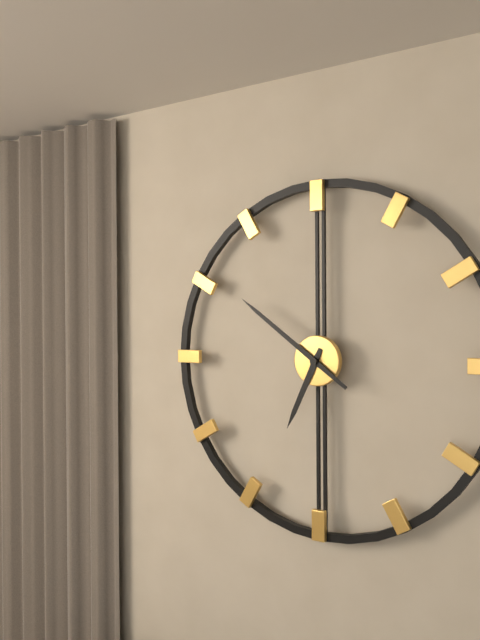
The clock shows 6:51
